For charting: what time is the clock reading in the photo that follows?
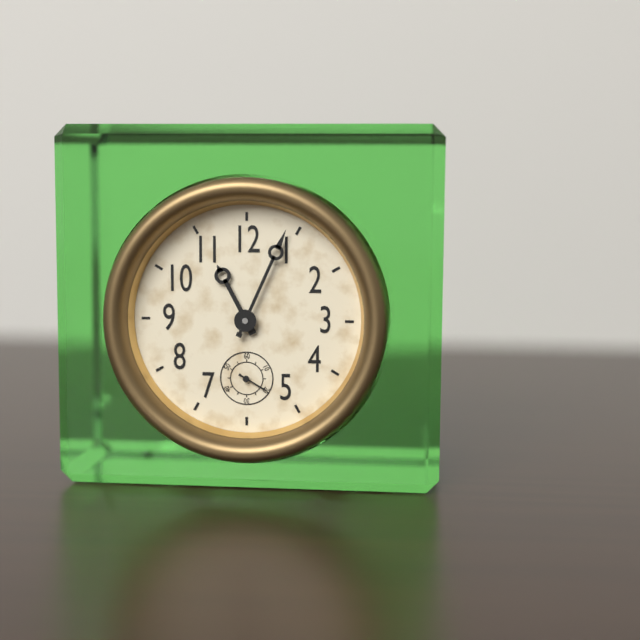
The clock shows 11:04
